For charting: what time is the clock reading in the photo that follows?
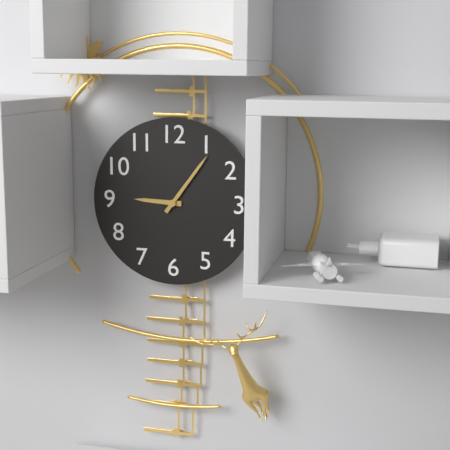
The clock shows 9:06
